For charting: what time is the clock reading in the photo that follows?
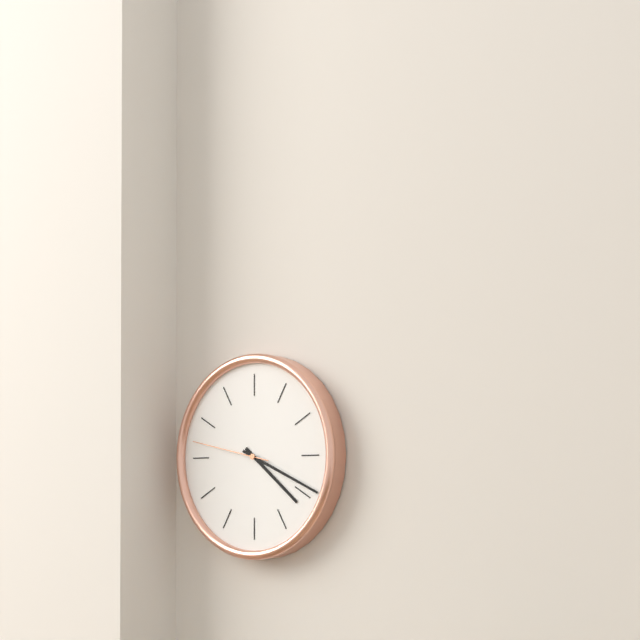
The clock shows 4:19:47
